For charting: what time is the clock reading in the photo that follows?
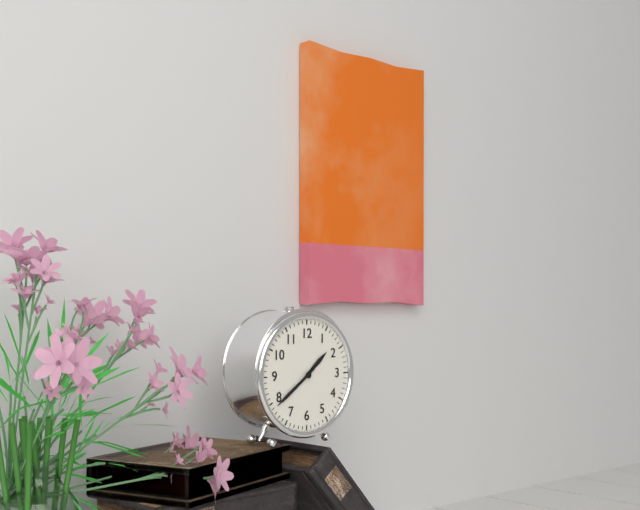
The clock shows 1:39
